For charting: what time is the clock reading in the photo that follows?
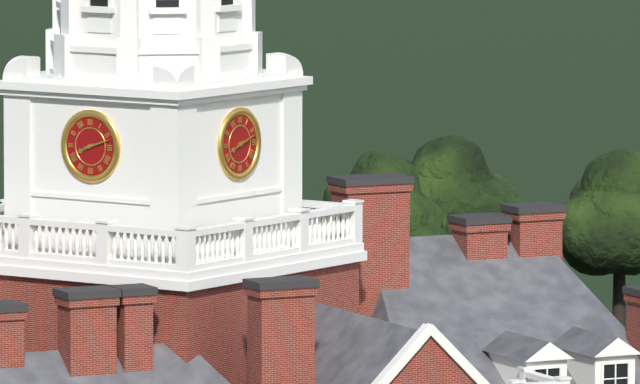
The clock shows 8:12
